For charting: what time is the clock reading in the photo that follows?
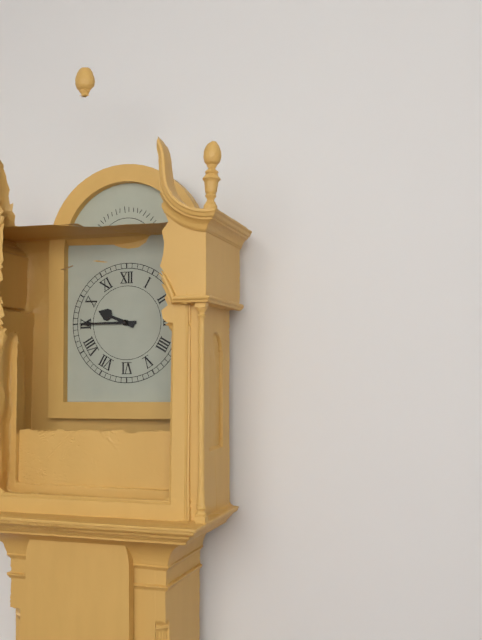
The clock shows 9:45
